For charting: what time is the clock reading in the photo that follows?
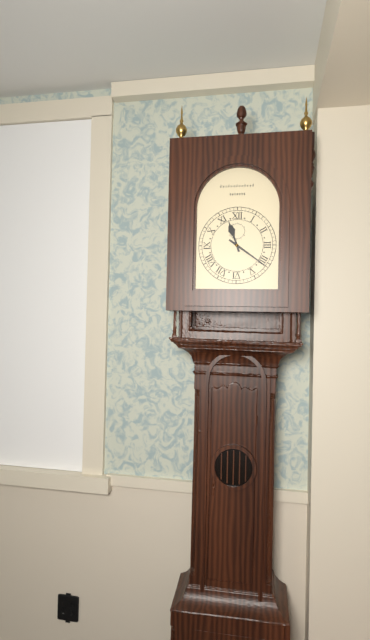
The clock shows 11:21
